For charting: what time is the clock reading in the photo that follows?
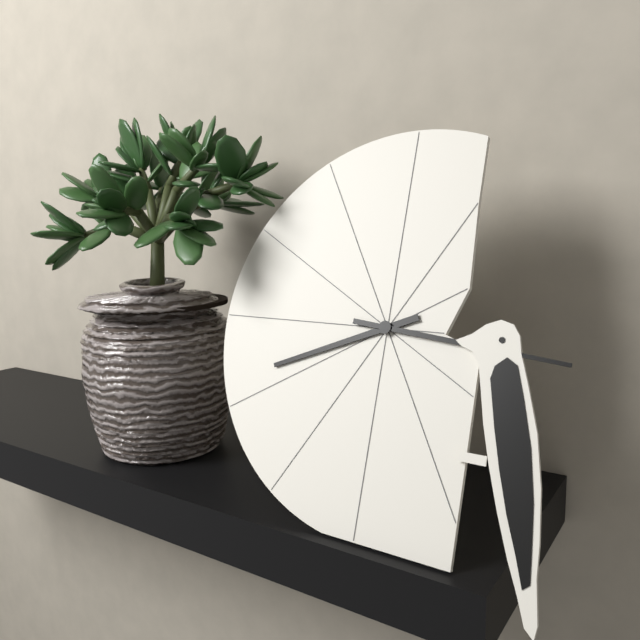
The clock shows 8:16
